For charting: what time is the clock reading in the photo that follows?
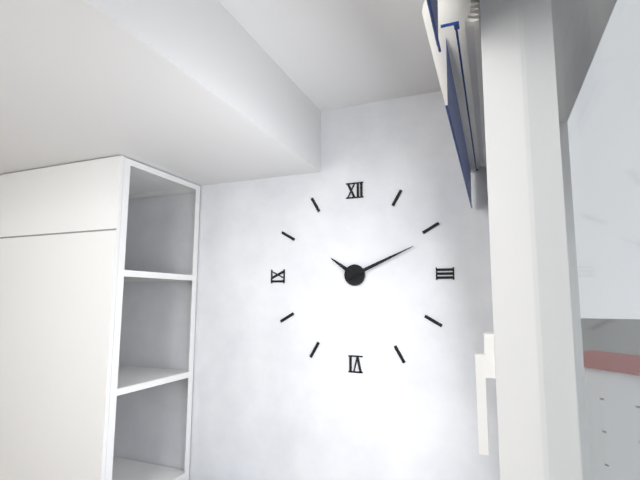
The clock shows 10:11
